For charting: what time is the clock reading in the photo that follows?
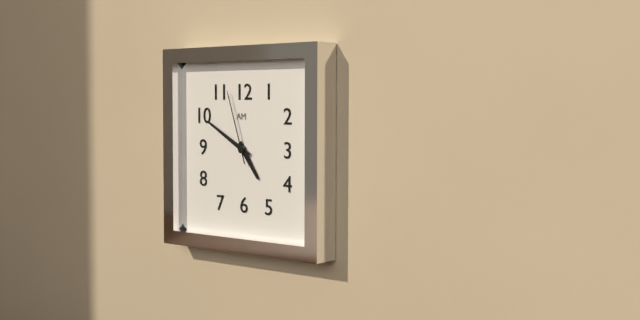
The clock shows 4:50:57
